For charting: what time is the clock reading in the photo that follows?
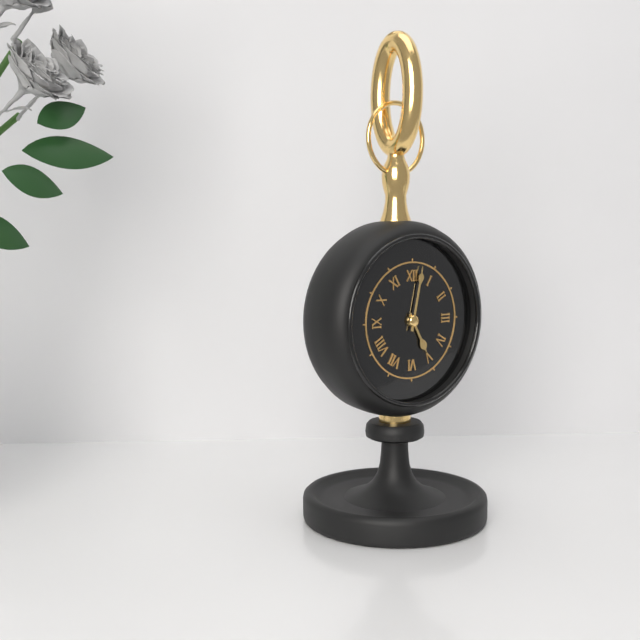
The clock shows 5:02
